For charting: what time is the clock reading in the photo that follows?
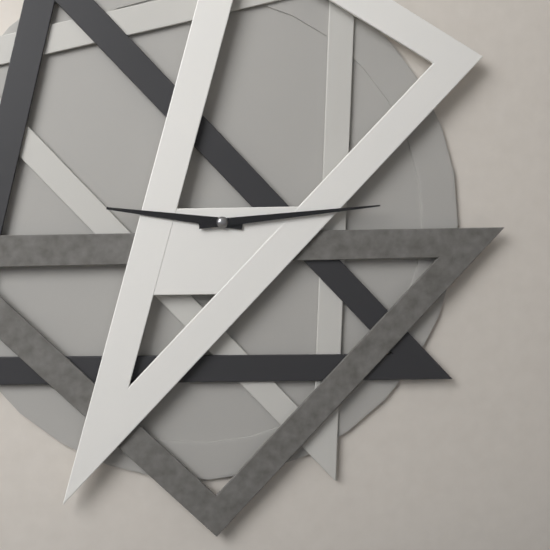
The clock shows 9:14
